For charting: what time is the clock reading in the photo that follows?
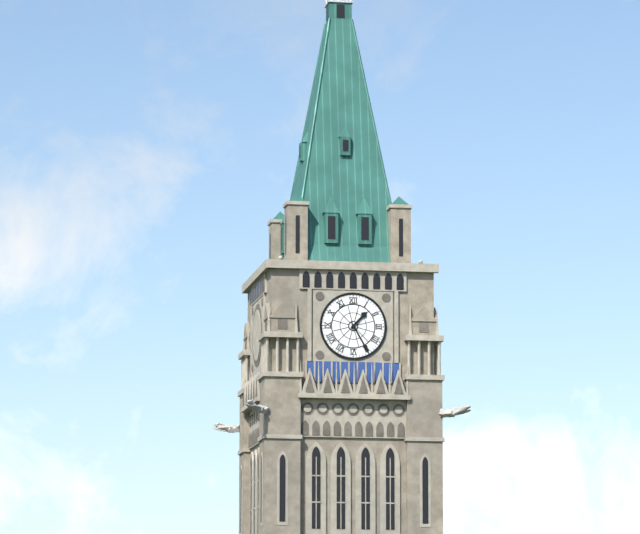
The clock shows 1:25
